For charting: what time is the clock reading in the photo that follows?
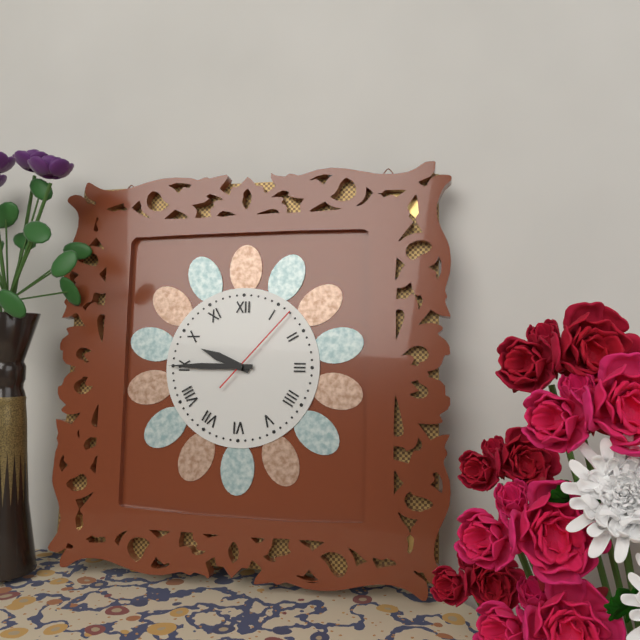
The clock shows 9:45:07
